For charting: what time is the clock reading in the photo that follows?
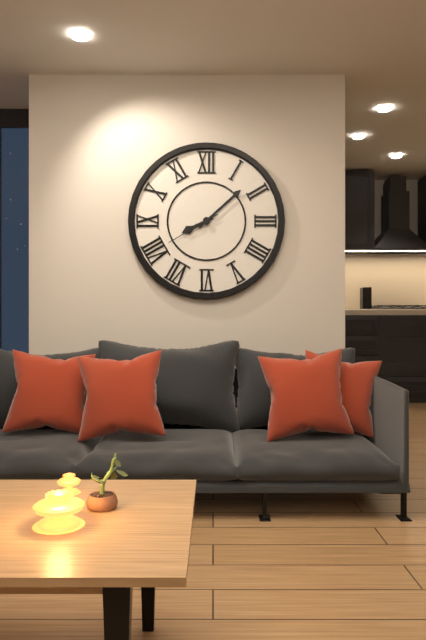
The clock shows 8:08:40
